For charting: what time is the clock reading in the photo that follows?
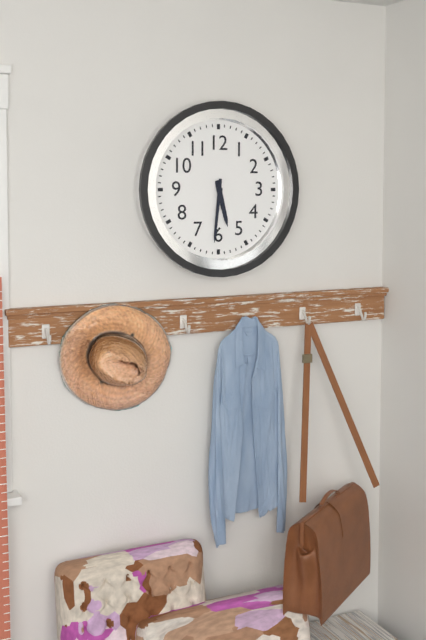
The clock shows 5:31
